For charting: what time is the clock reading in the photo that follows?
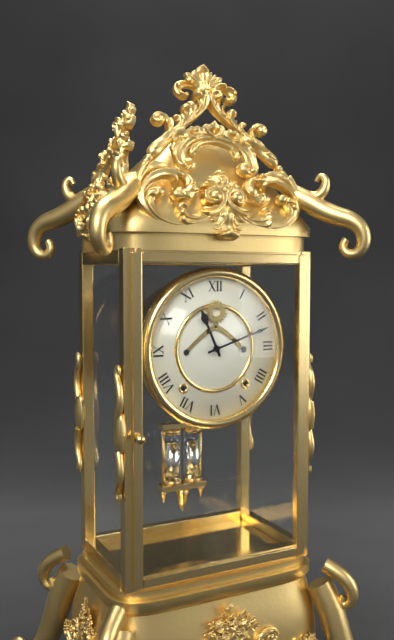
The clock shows 11:12
